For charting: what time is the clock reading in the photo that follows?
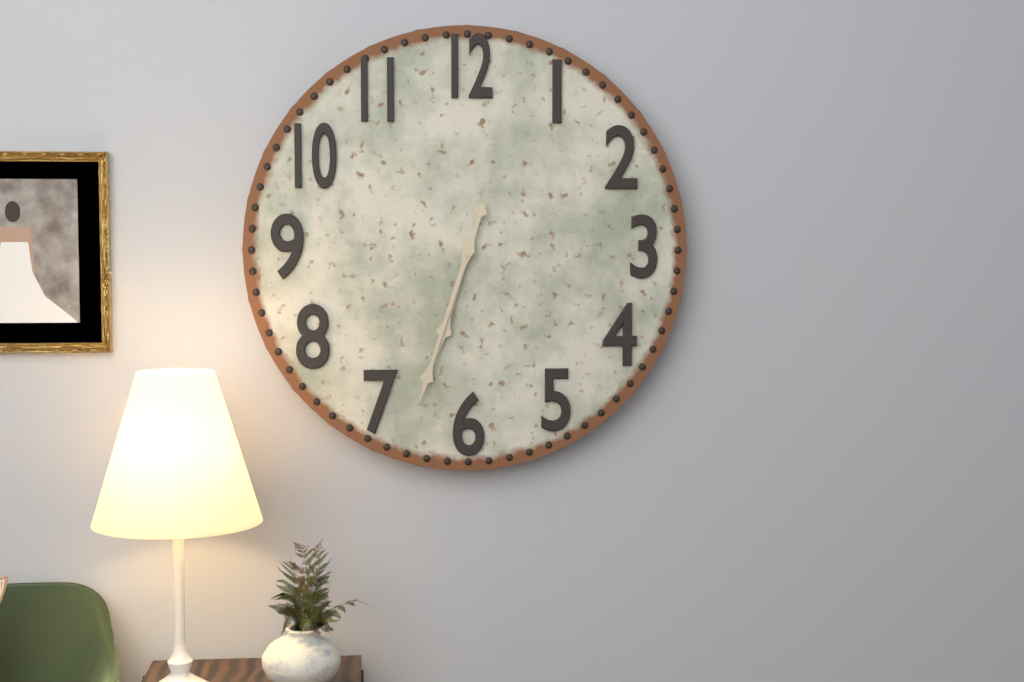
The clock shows 6:33
